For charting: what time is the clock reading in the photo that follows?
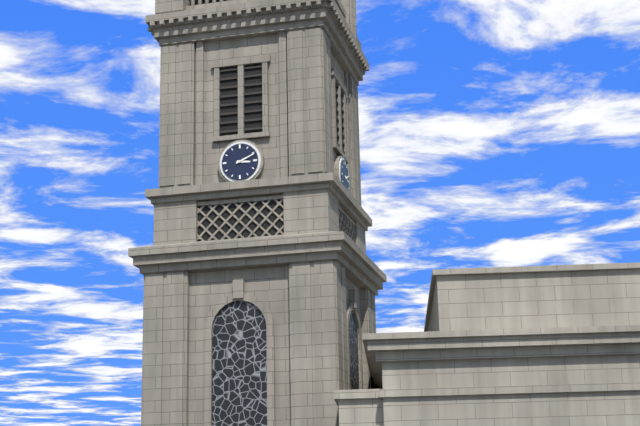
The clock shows 3:11
